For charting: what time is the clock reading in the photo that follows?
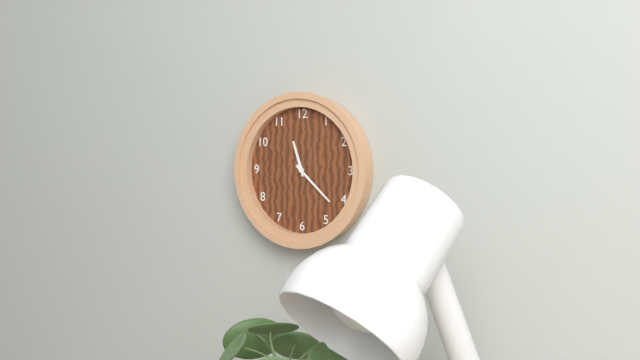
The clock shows 11:22
